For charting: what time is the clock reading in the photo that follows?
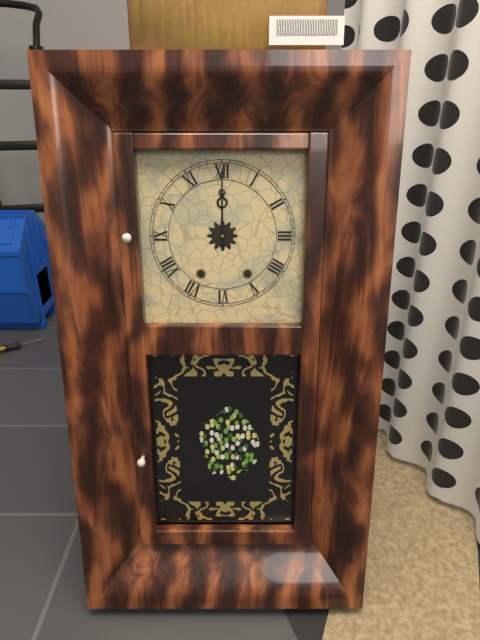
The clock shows 12:00
